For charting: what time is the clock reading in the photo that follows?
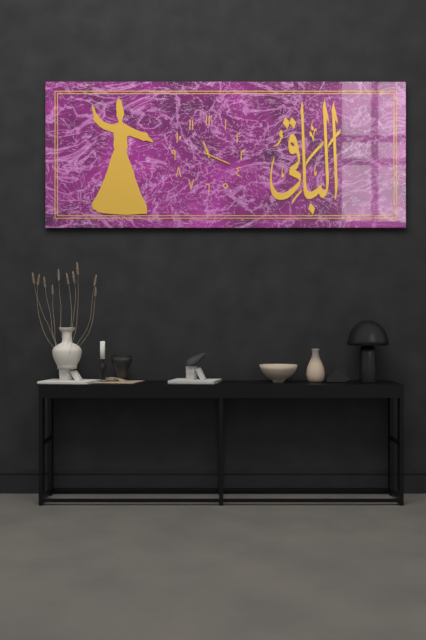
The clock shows 11:19
